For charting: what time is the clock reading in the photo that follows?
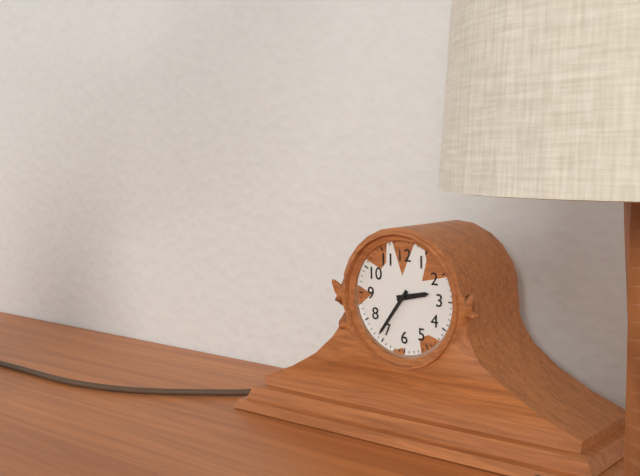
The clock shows 2:36
